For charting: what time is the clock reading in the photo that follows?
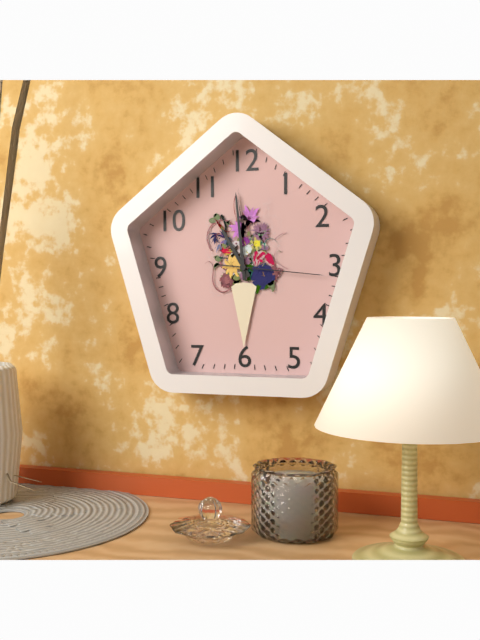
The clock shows 10:59:16
